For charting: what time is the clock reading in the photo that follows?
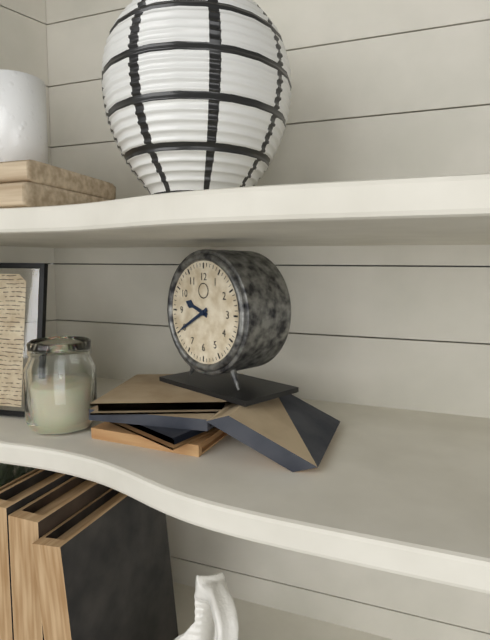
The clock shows 9:40
